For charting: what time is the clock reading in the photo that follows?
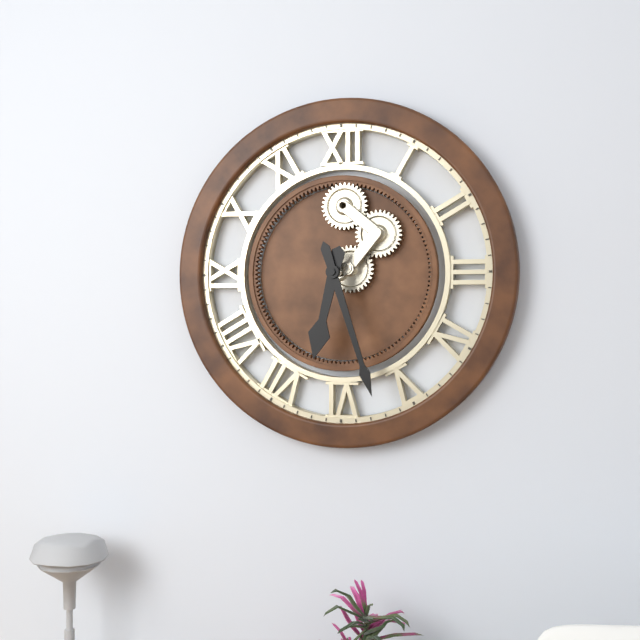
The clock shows 6:27
